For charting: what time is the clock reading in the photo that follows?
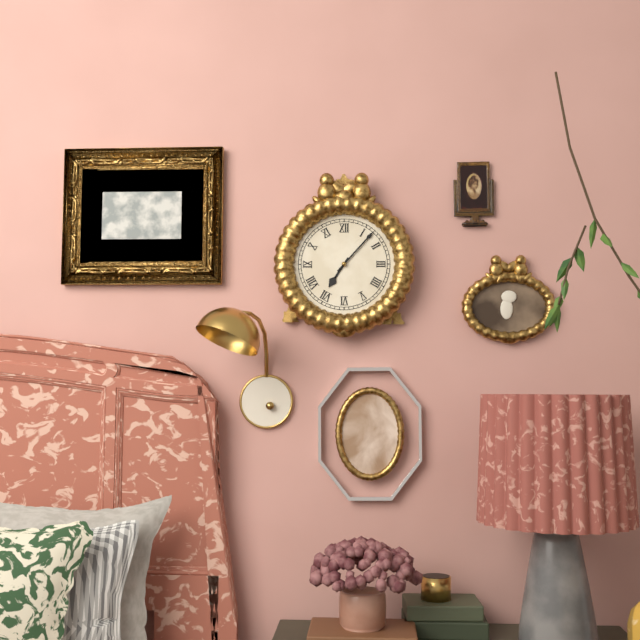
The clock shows 7:07
